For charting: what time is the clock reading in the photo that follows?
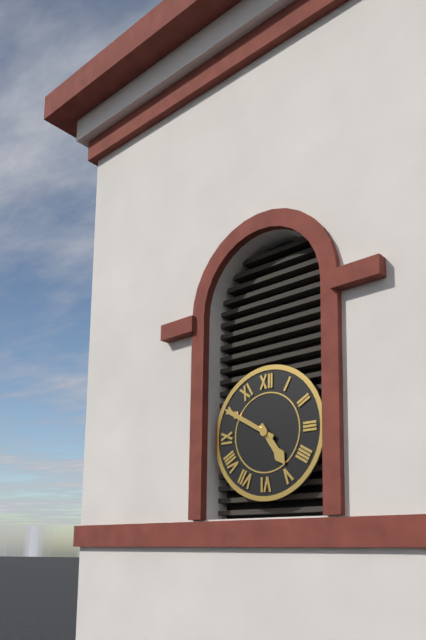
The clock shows 4:50
